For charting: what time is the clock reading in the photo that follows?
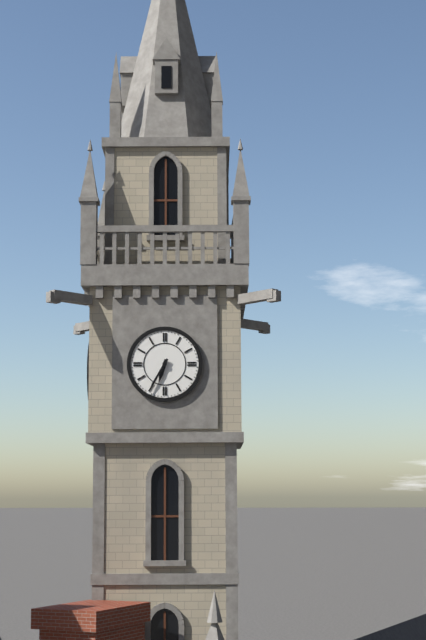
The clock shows 6:35
